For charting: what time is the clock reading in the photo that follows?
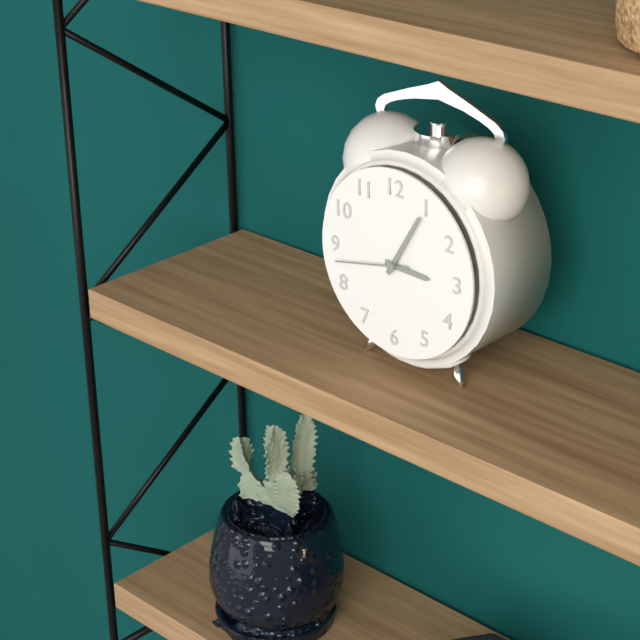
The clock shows 3:05:43
